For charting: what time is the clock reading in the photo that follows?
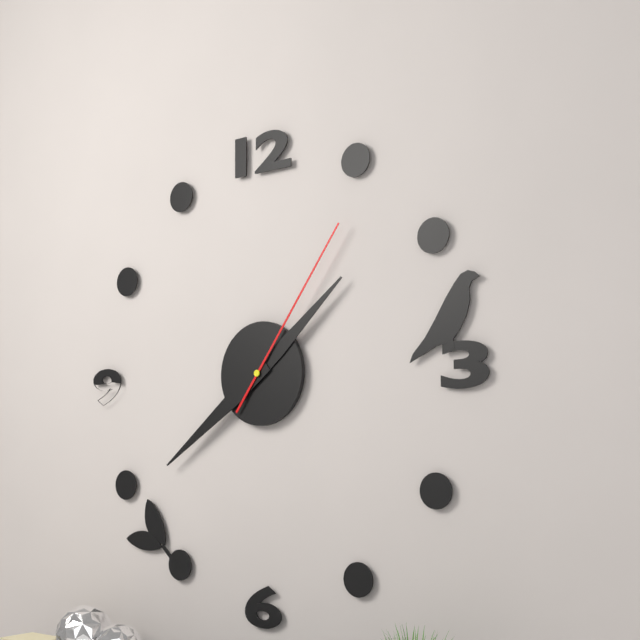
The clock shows 1:39:06
